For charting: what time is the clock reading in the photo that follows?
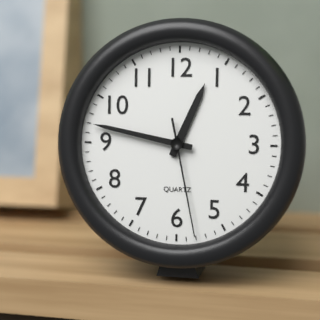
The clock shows 12:47:28
